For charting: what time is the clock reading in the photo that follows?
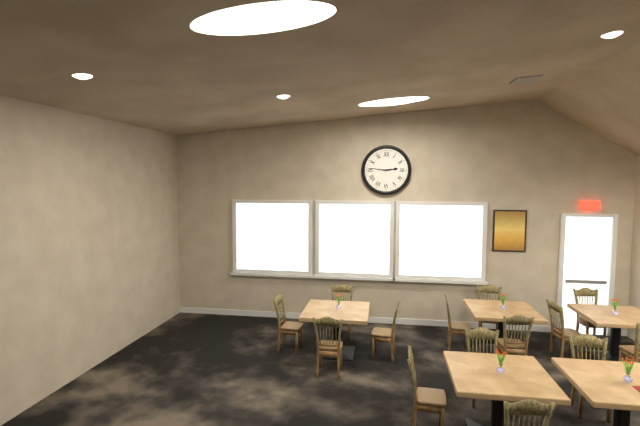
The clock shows 2:46
